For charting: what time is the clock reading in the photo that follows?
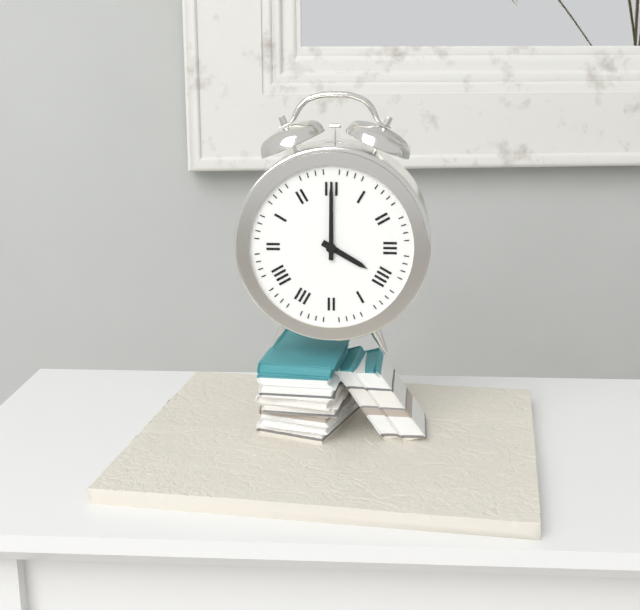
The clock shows 4:00
